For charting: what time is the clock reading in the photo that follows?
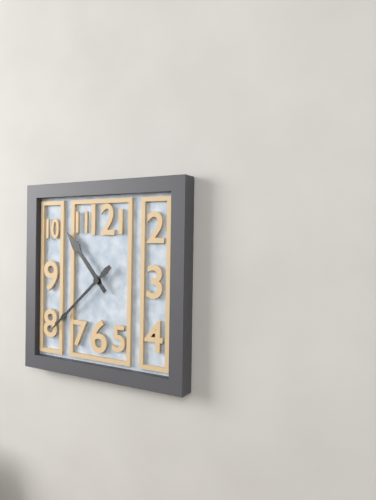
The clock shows 10:38
